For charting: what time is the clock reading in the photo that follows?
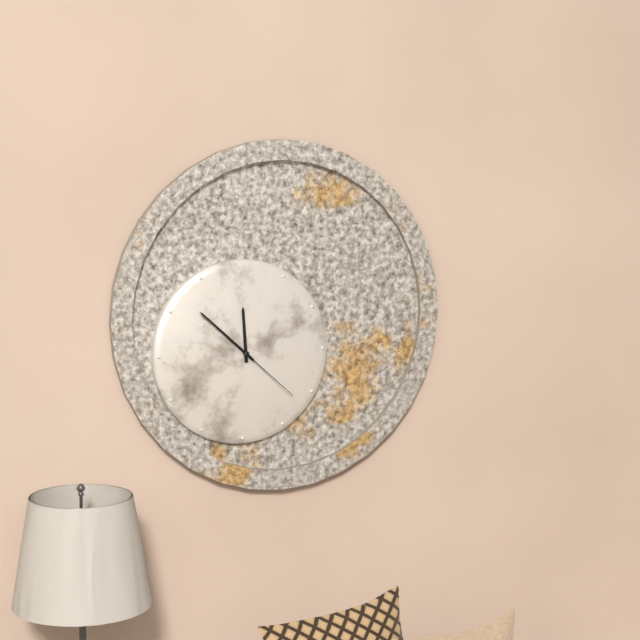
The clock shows 11:52:22
